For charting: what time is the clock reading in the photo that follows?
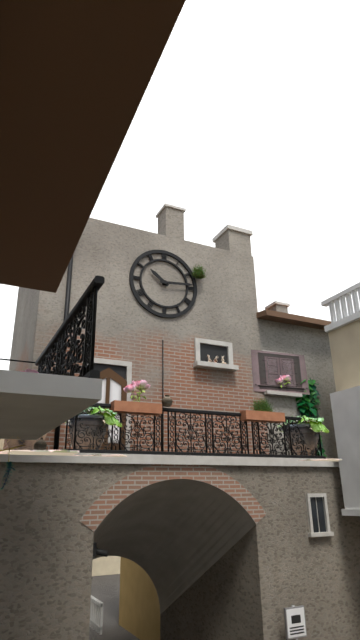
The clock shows 10:14
